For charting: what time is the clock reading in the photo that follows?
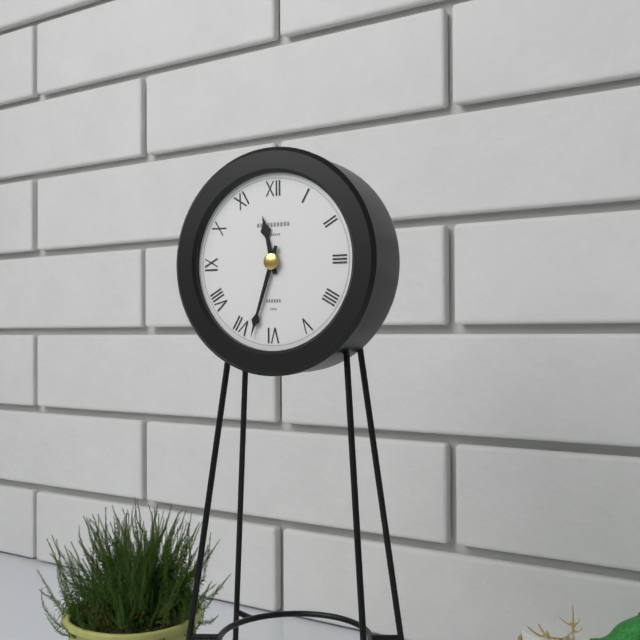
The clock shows 11:33
